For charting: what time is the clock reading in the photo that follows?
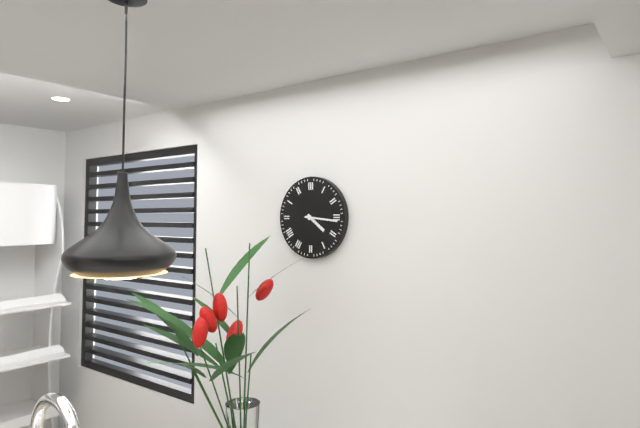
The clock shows 4:16
